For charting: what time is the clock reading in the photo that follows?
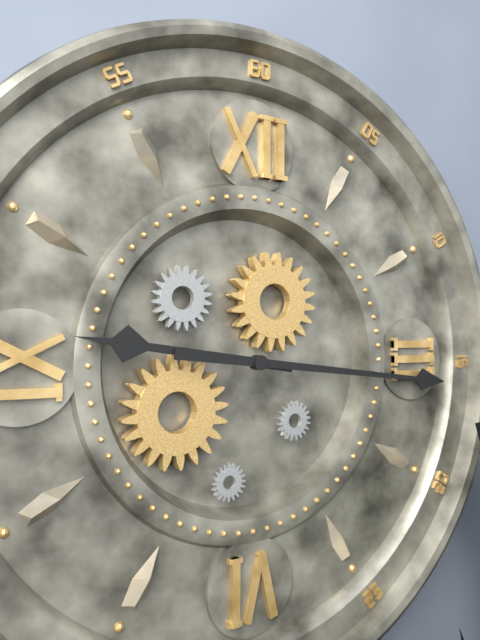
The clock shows 9:16
